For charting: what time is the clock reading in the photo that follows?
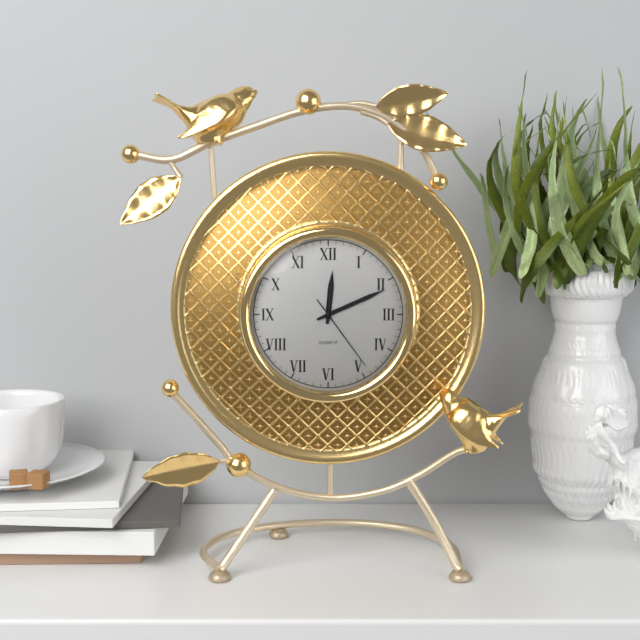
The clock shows 12:11:24
